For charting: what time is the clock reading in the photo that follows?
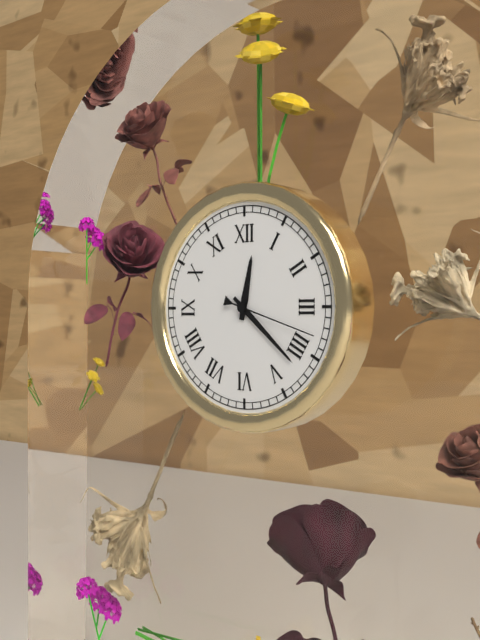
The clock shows 12:22:18
